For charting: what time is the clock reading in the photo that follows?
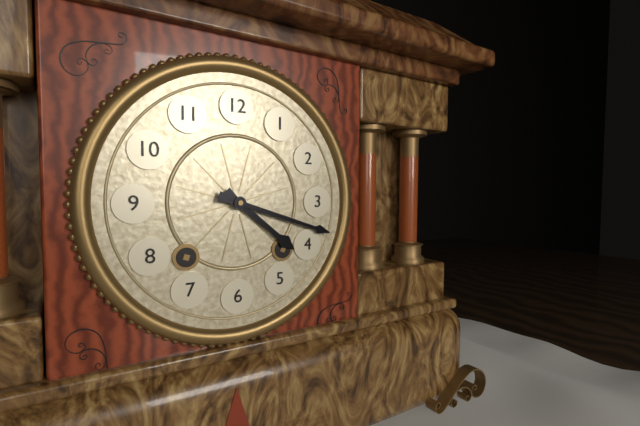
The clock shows 4:18
